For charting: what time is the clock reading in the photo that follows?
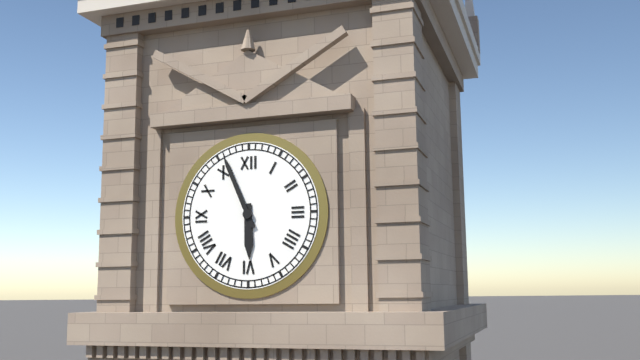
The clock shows 5:56
